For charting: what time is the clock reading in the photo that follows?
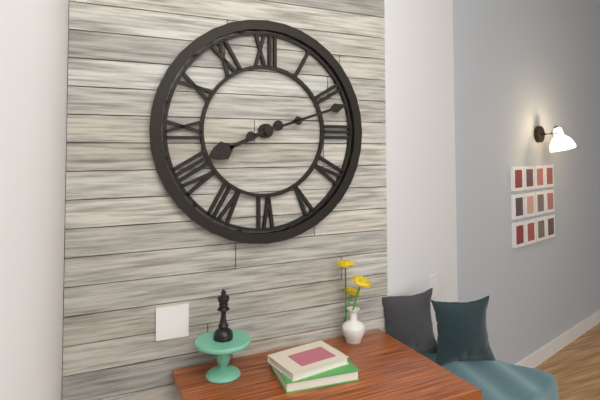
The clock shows 8:12
